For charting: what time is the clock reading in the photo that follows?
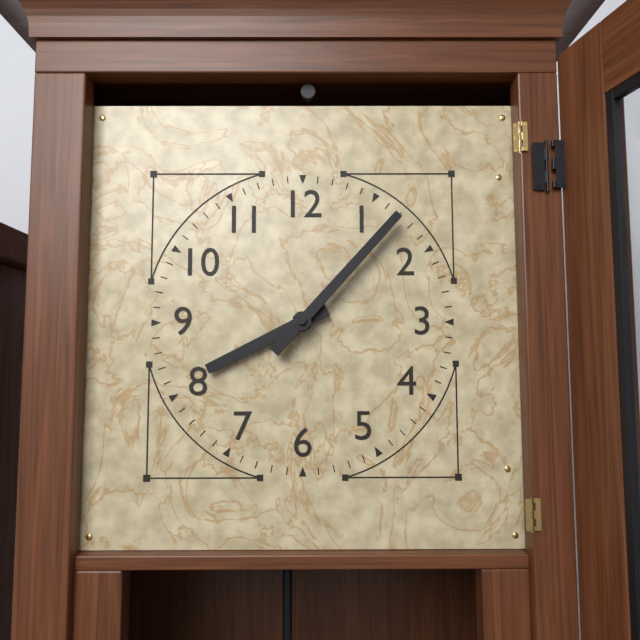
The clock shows 8:07
